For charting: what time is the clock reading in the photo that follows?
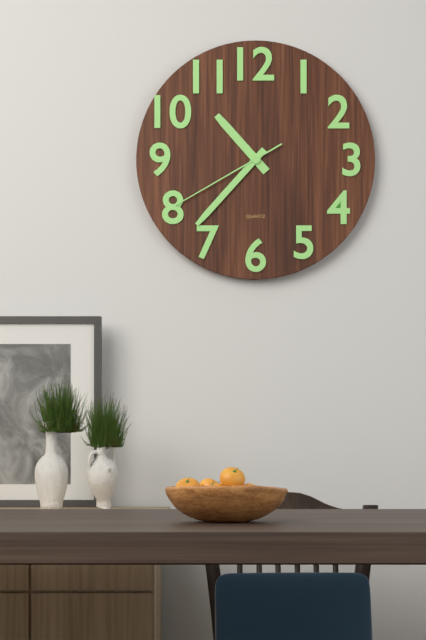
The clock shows 10:37:40
